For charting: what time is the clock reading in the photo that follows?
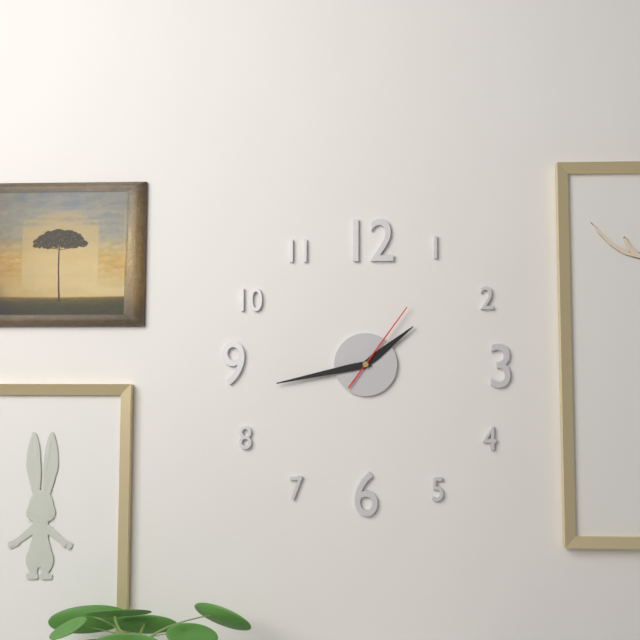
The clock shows 1:43:06
